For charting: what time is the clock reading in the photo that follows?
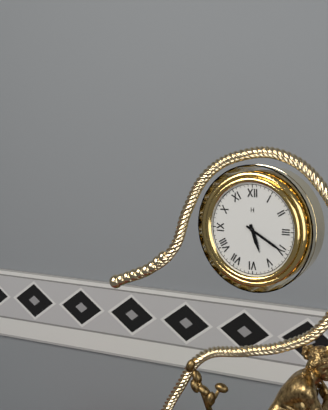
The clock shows 5:20
